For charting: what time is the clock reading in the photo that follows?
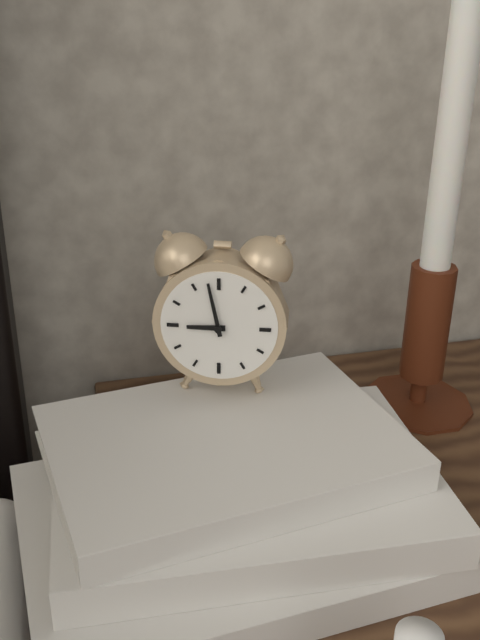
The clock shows 8:58
